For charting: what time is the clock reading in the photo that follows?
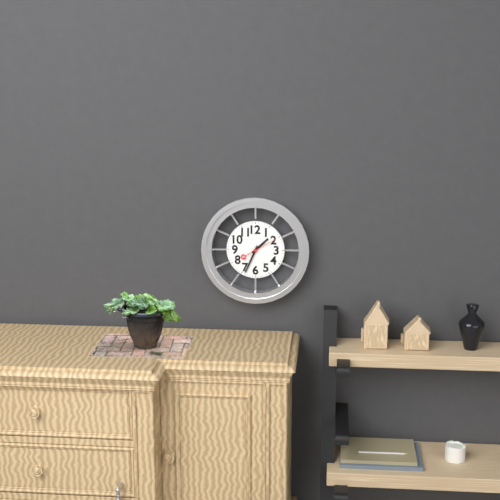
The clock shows 1:34
